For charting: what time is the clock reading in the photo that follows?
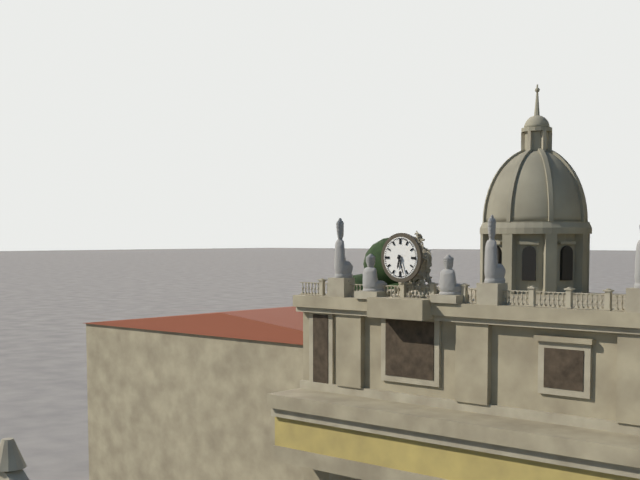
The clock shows 6:27
